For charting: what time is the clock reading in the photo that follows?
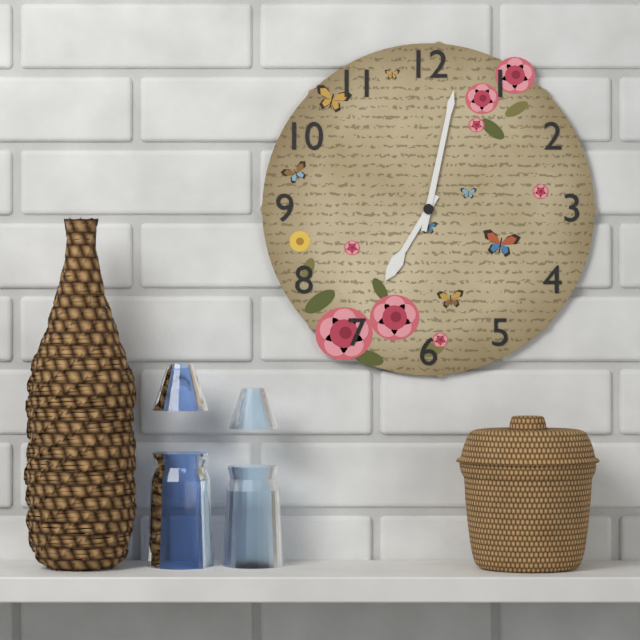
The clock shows 7:02
